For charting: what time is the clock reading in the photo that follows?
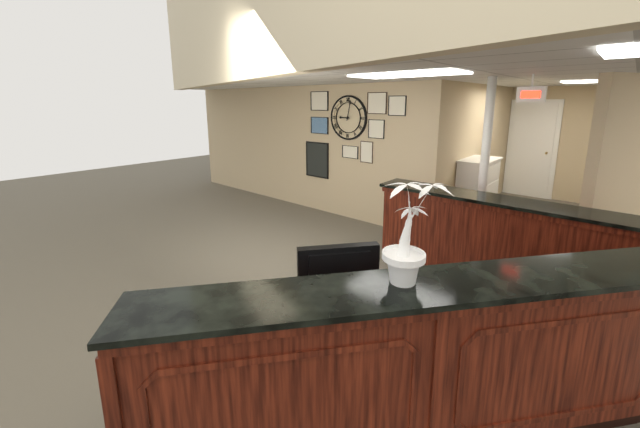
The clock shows 9:02
